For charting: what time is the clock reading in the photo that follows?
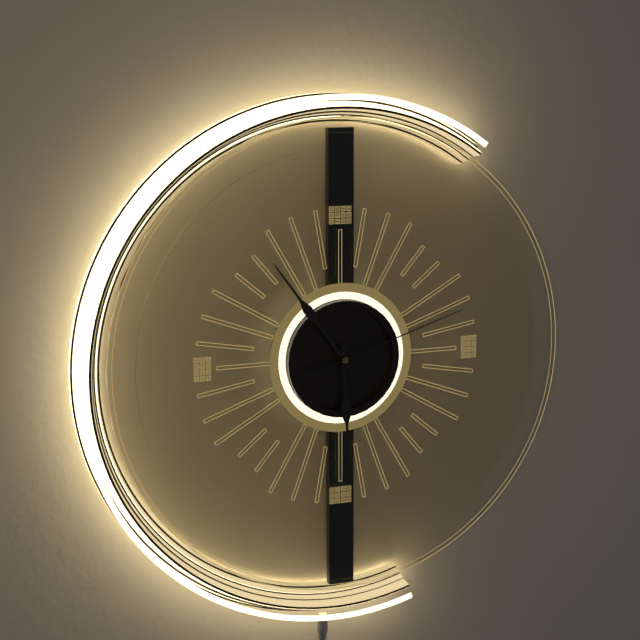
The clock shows 5:54:12
